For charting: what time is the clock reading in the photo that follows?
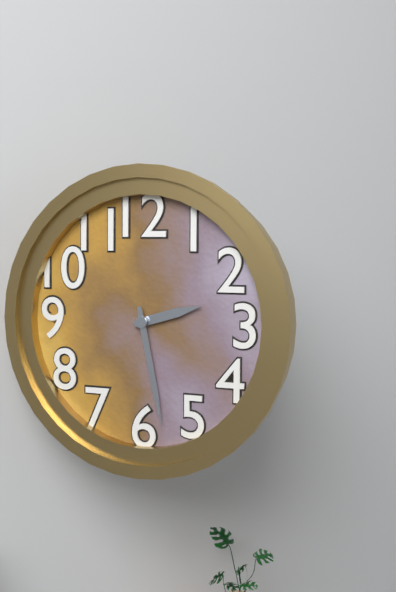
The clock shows 2:28
